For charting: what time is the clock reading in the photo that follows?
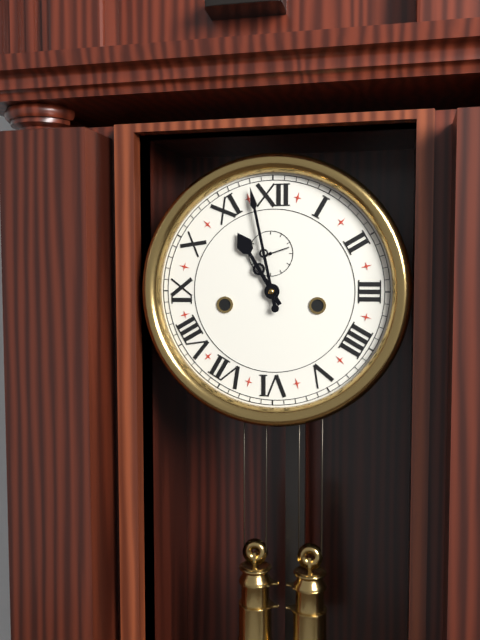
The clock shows 10:58
